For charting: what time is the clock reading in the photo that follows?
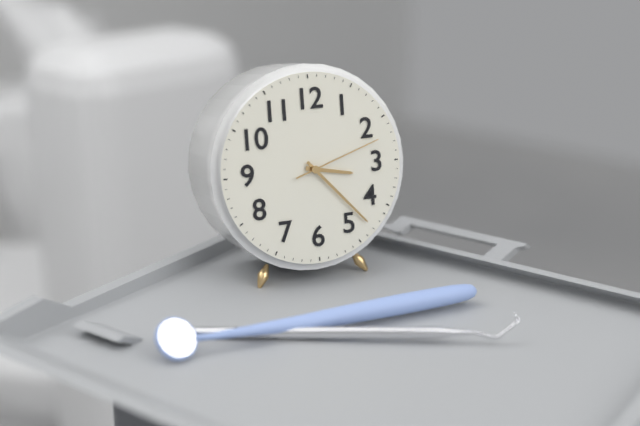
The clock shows 3:23:12
